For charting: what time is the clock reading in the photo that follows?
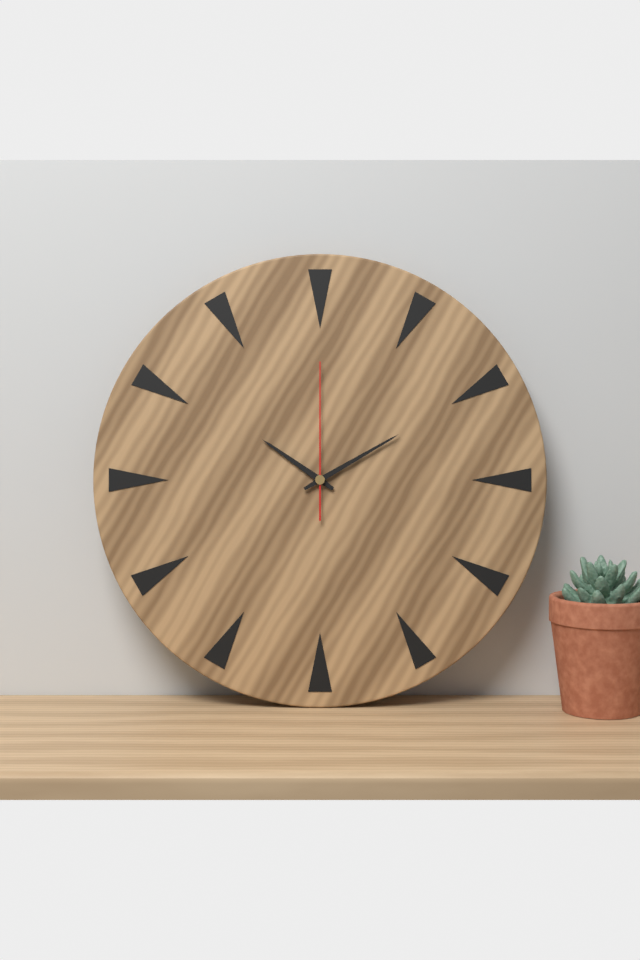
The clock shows 10:10:00
